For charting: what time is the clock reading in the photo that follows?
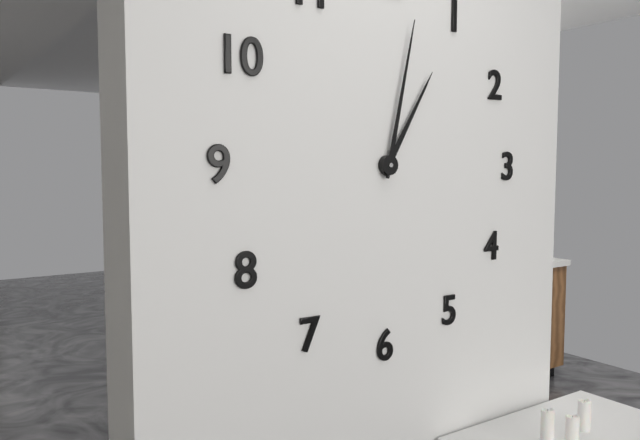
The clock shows 1:02
